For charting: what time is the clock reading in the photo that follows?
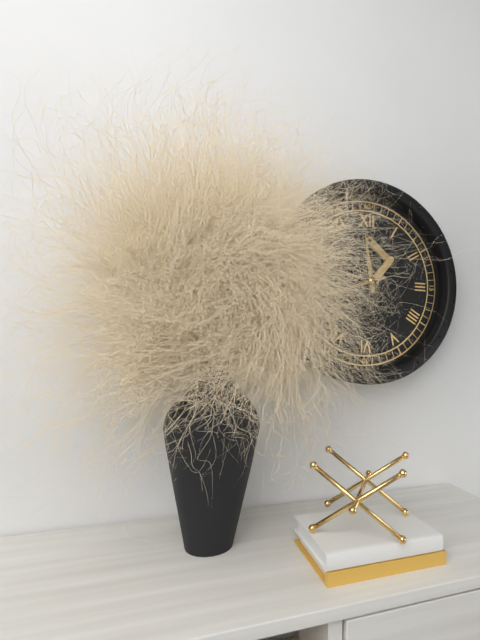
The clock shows 11:42
